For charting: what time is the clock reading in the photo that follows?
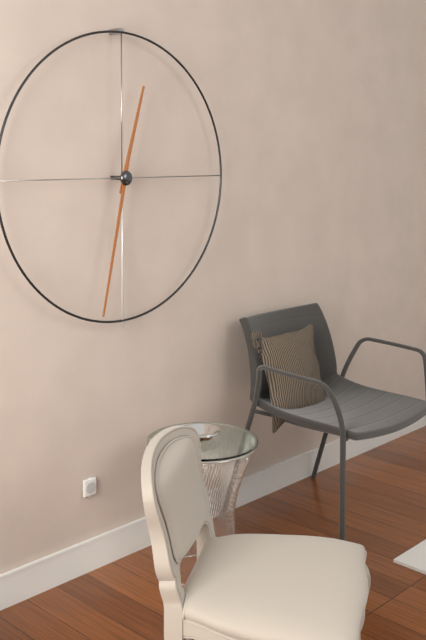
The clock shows 12:32
